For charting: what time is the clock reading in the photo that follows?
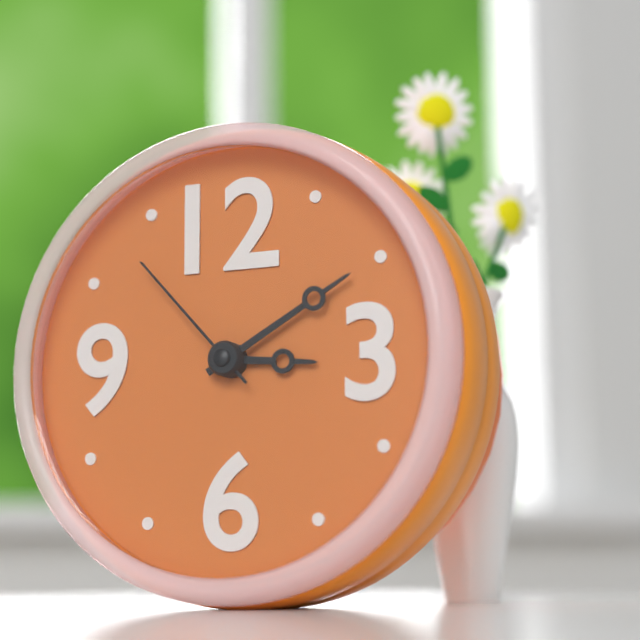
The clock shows 3:10:53
